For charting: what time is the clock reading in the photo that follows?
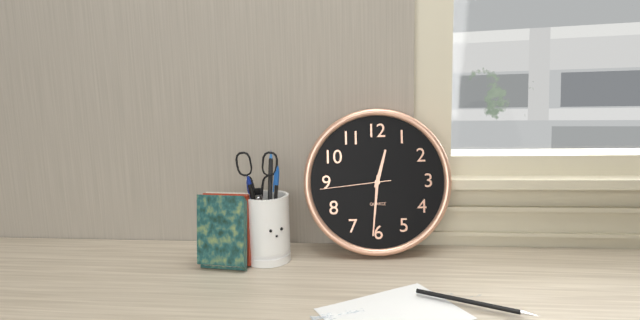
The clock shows 12:31:44
